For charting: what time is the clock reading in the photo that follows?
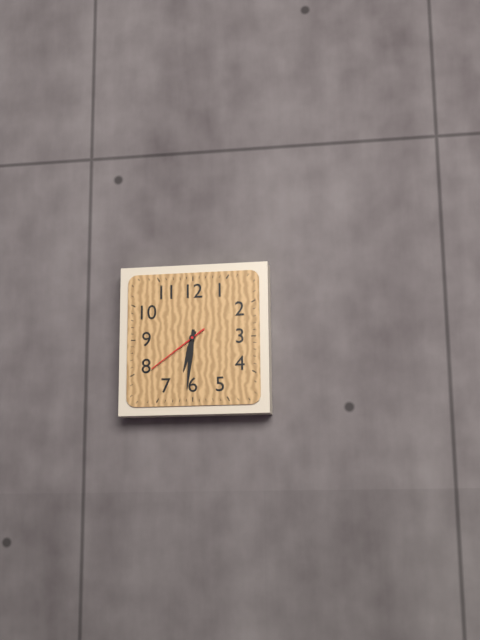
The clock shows 6:31:39
